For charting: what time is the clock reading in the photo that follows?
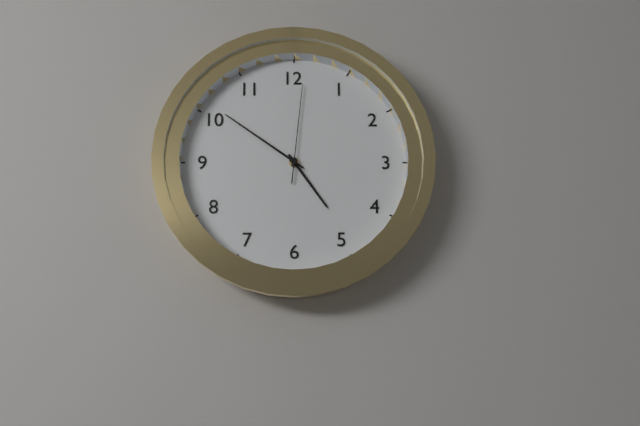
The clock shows 4:51:01
